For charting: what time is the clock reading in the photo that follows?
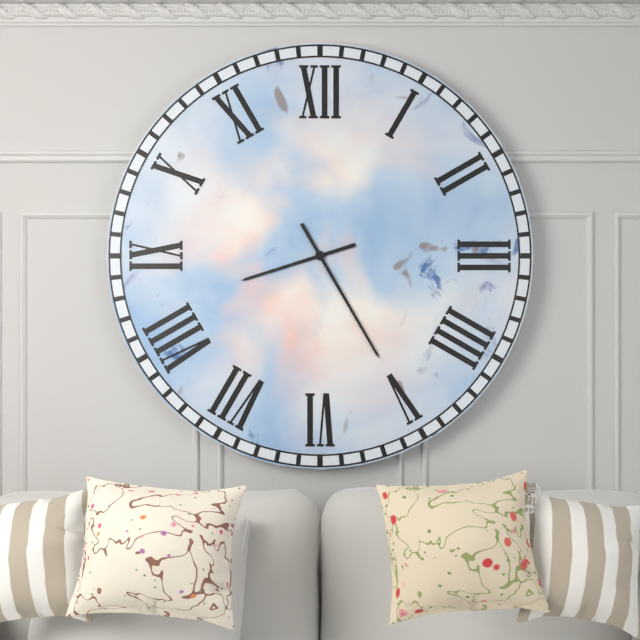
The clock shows 8:25
